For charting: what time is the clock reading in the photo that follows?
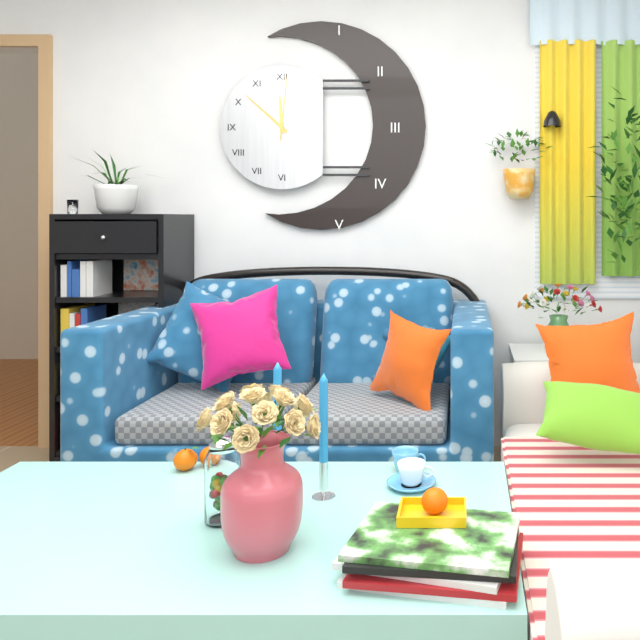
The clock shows 11:52:01
